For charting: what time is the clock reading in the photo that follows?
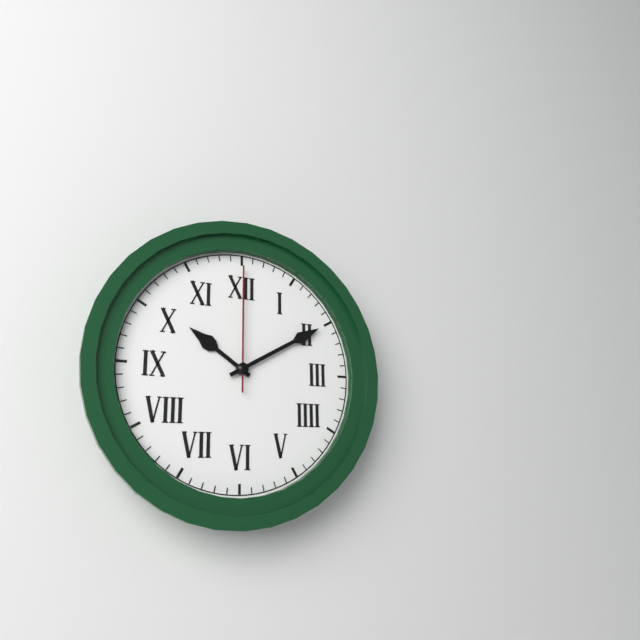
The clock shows 10:10:00
